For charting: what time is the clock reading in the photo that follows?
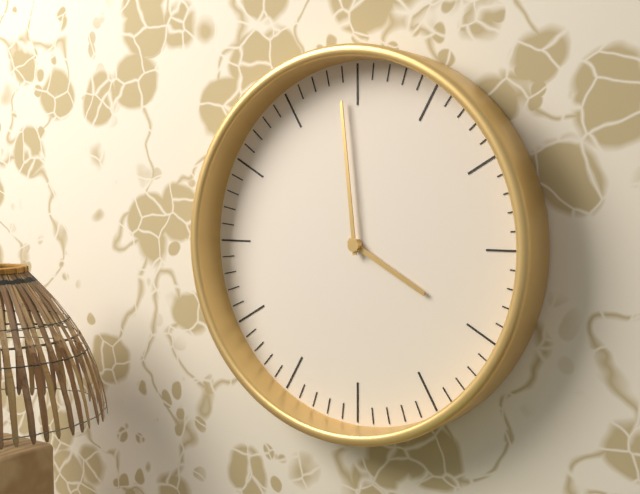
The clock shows 3:59
